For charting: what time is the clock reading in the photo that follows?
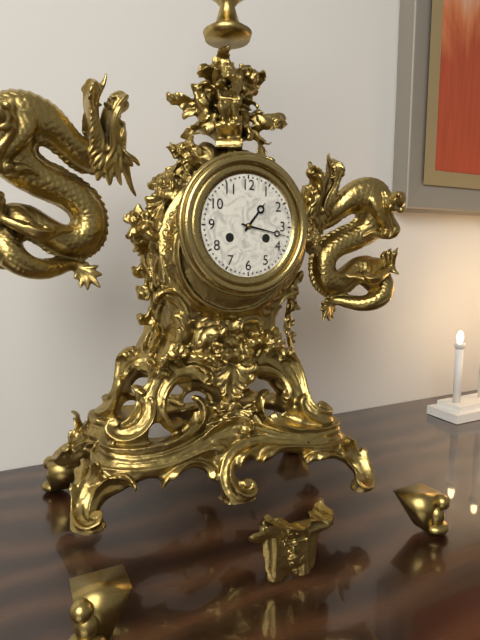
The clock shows 1:17
